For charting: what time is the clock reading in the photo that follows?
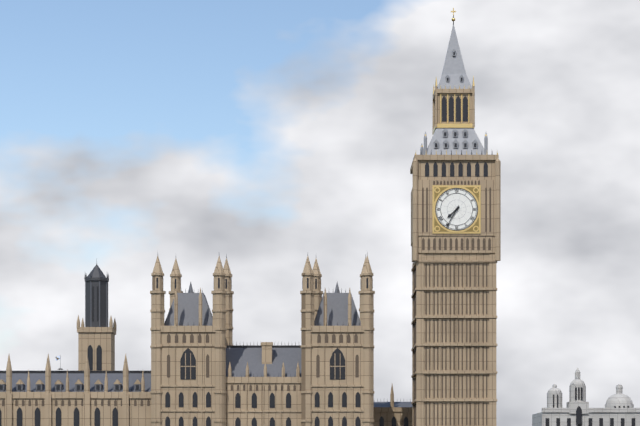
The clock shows 7:35
